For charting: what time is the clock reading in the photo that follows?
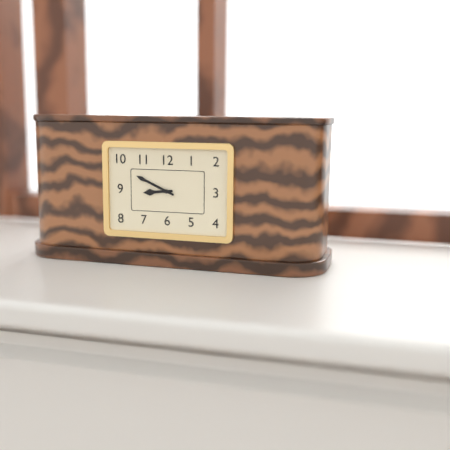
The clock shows 8:49
